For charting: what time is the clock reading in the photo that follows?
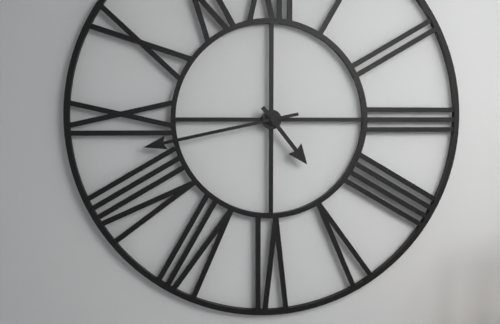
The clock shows 4:43
